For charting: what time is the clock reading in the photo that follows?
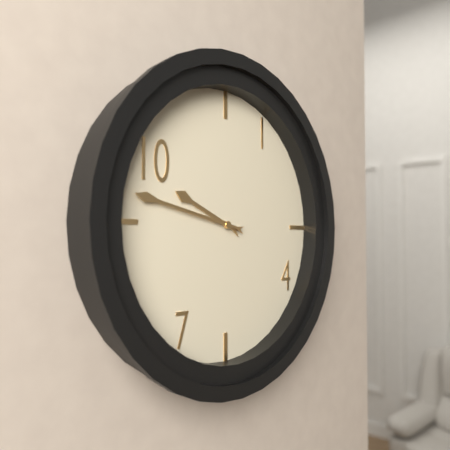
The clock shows 9:47
